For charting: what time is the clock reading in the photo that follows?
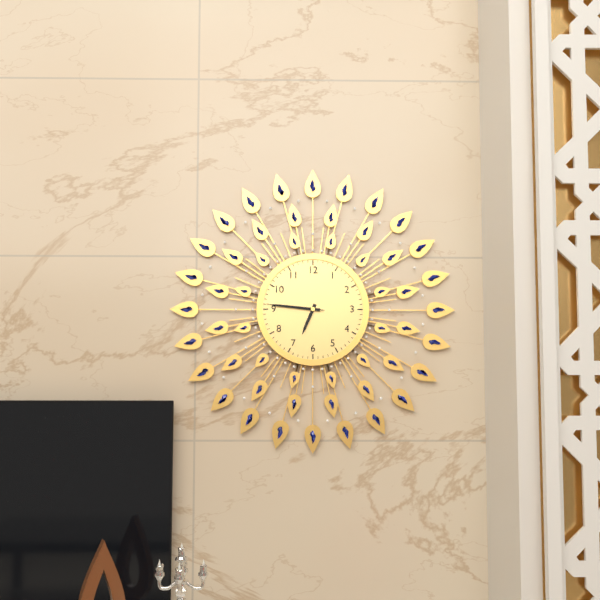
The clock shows 6:46:46
